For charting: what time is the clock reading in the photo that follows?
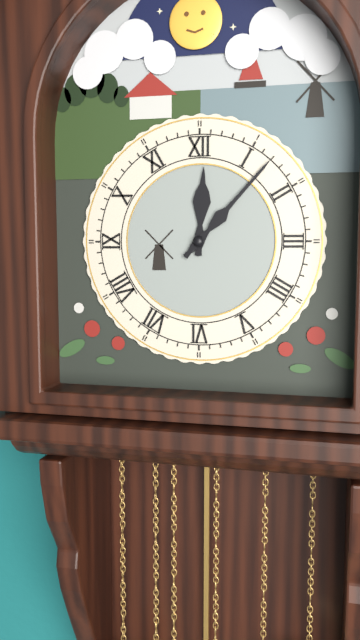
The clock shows 12:07
